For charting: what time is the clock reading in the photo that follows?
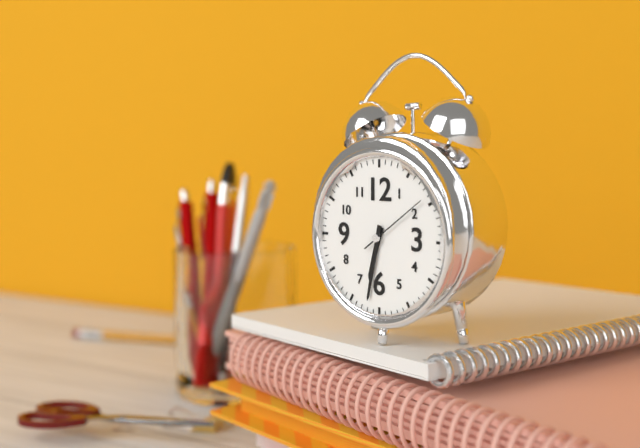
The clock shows 6:32:09
